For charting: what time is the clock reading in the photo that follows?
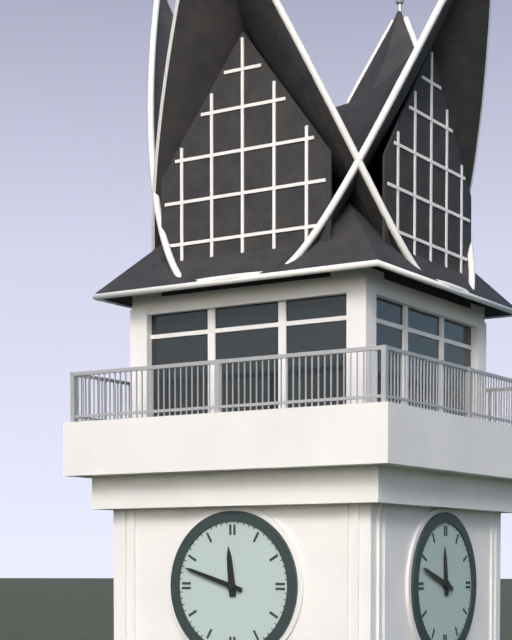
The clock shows 11:48
